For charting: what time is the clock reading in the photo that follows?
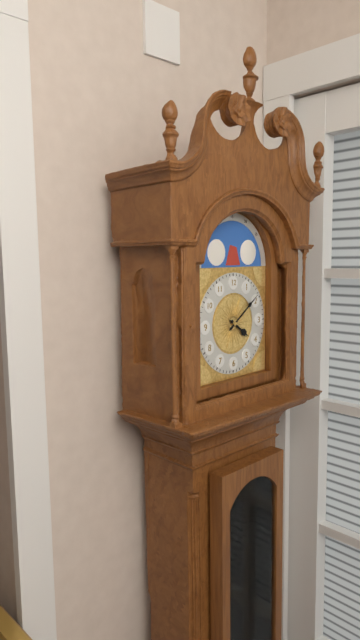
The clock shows 4:09
